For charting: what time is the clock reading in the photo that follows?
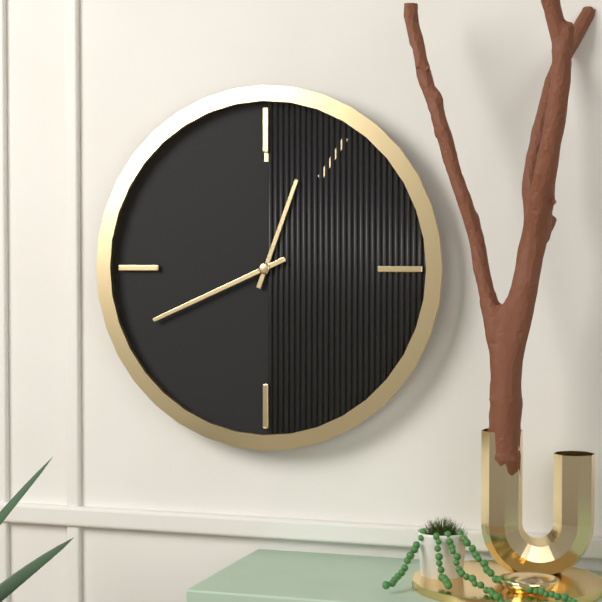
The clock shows 12:41
